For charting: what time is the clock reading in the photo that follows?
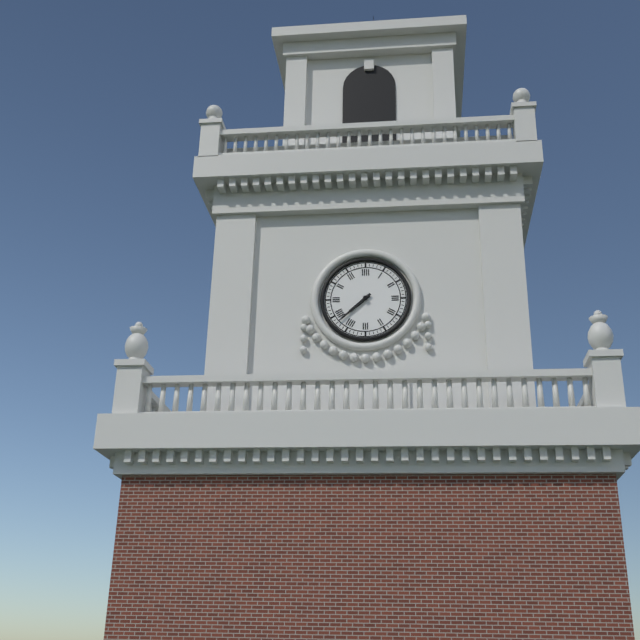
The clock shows 7:38
